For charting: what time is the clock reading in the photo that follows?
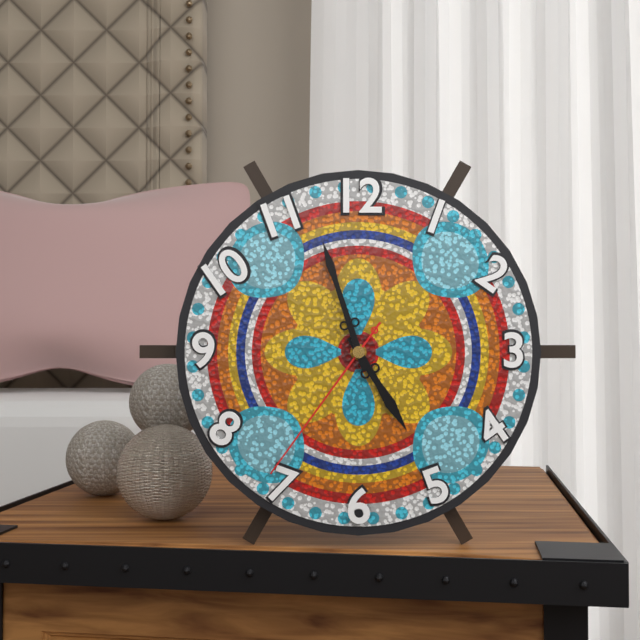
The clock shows 4:57:36
